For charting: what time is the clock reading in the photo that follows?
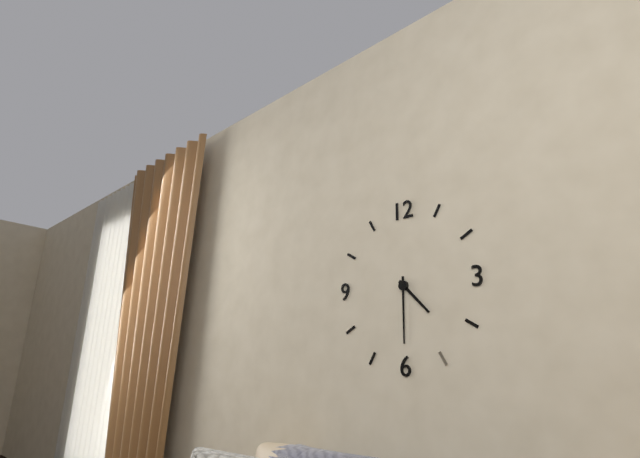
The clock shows 4:30
